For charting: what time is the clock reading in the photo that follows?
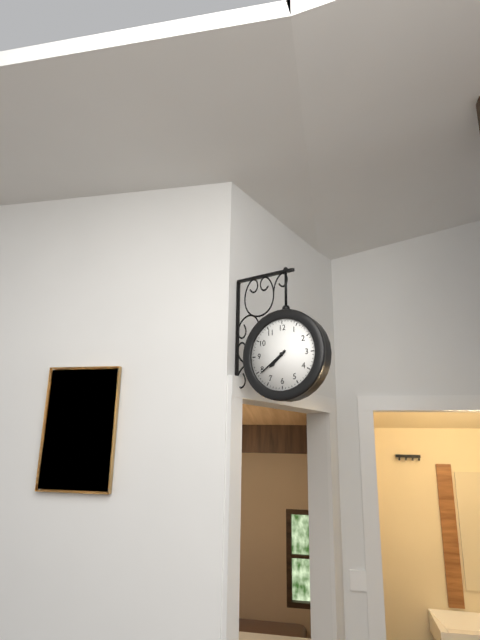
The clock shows 7:39
